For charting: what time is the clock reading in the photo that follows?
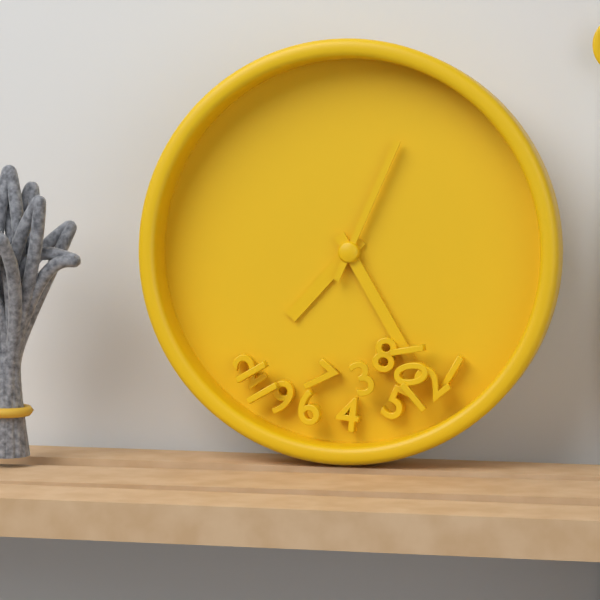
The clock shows 7:25:04
